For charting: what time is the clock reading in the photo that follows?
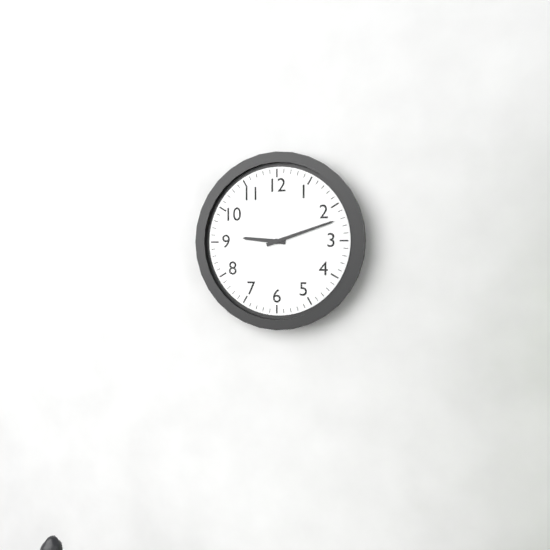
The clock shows 9:12
